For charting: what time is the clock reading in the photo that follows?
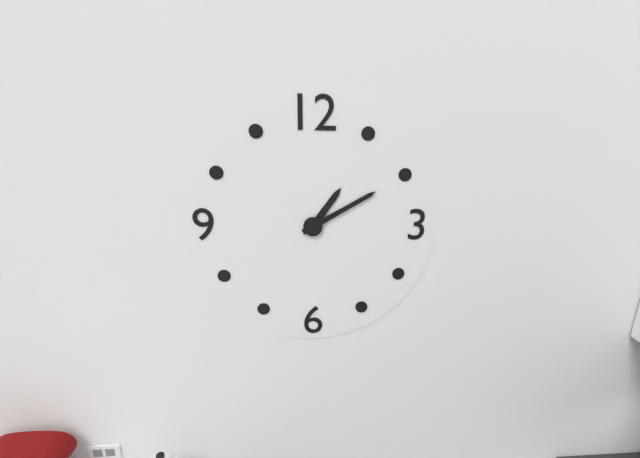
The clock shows 1:10
